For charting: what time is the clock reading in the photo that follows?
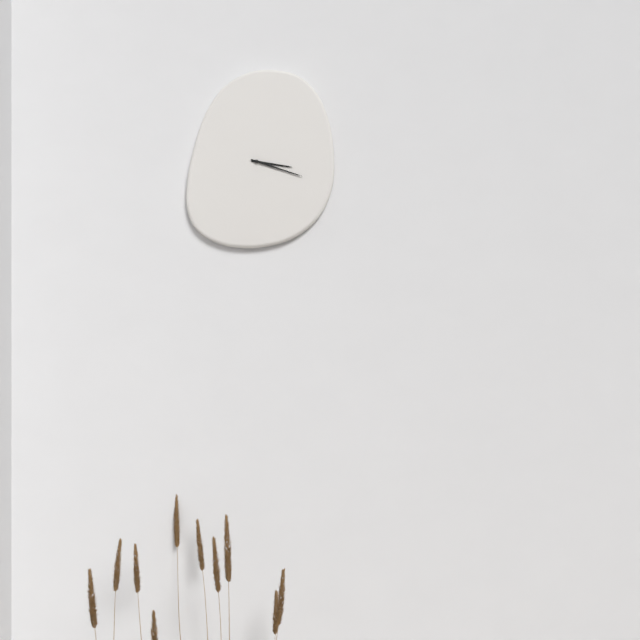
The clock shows 3:18
